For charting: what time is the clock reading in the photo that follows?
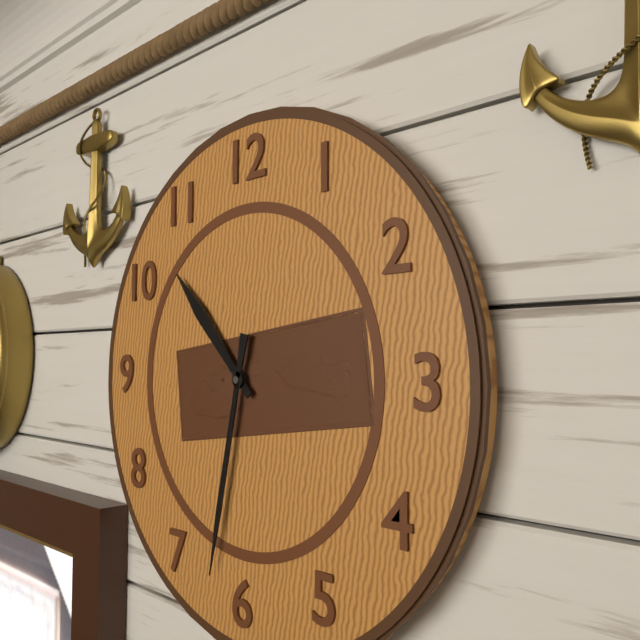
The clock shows 10:32
